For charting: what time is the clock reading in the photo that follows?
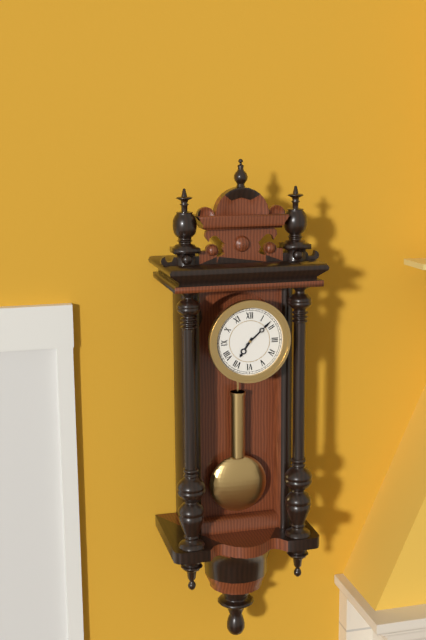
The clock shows 7:08
